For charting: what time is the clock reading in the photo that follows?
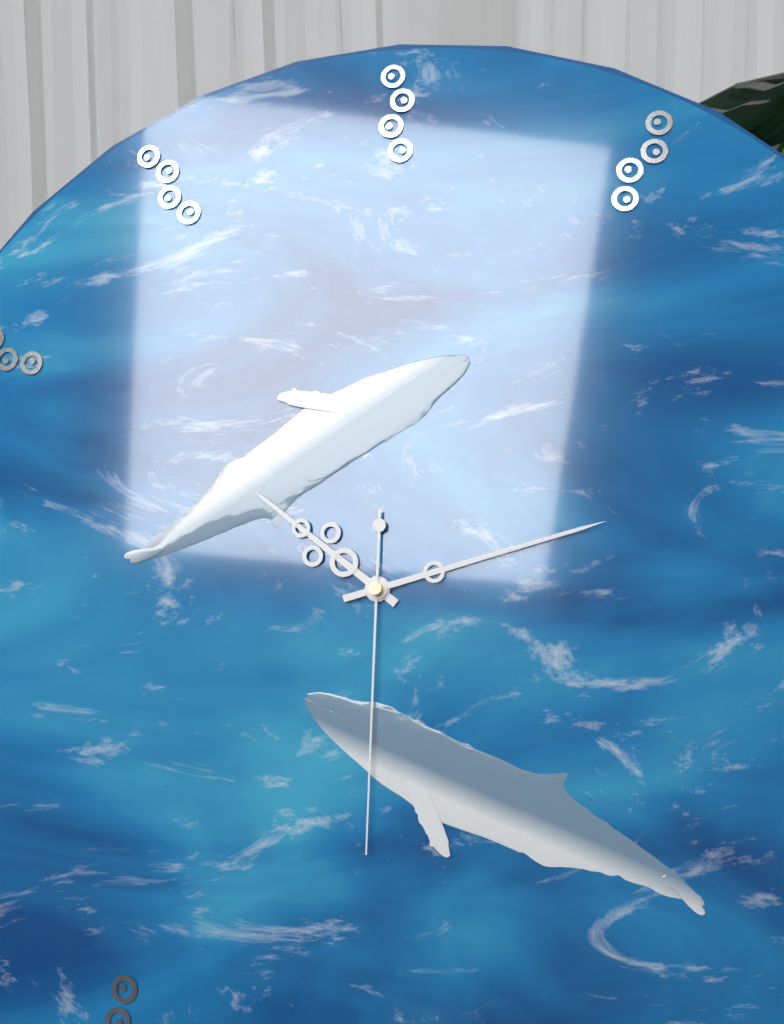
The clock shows 10:12:30
